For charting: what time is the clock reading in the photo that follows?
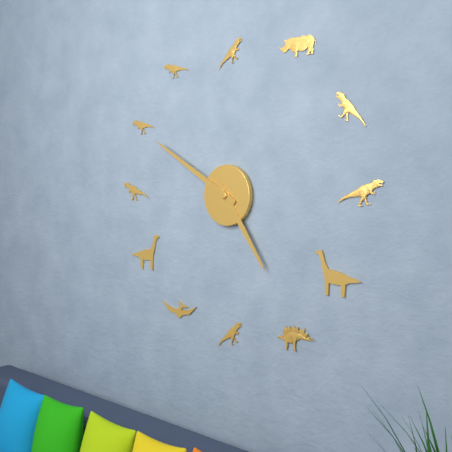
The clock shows 4:50
